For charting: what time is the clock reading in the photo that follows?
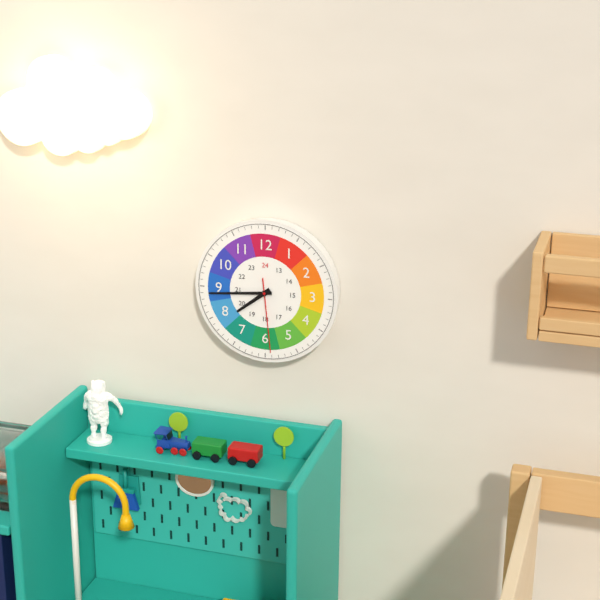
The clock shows 7:44:29
